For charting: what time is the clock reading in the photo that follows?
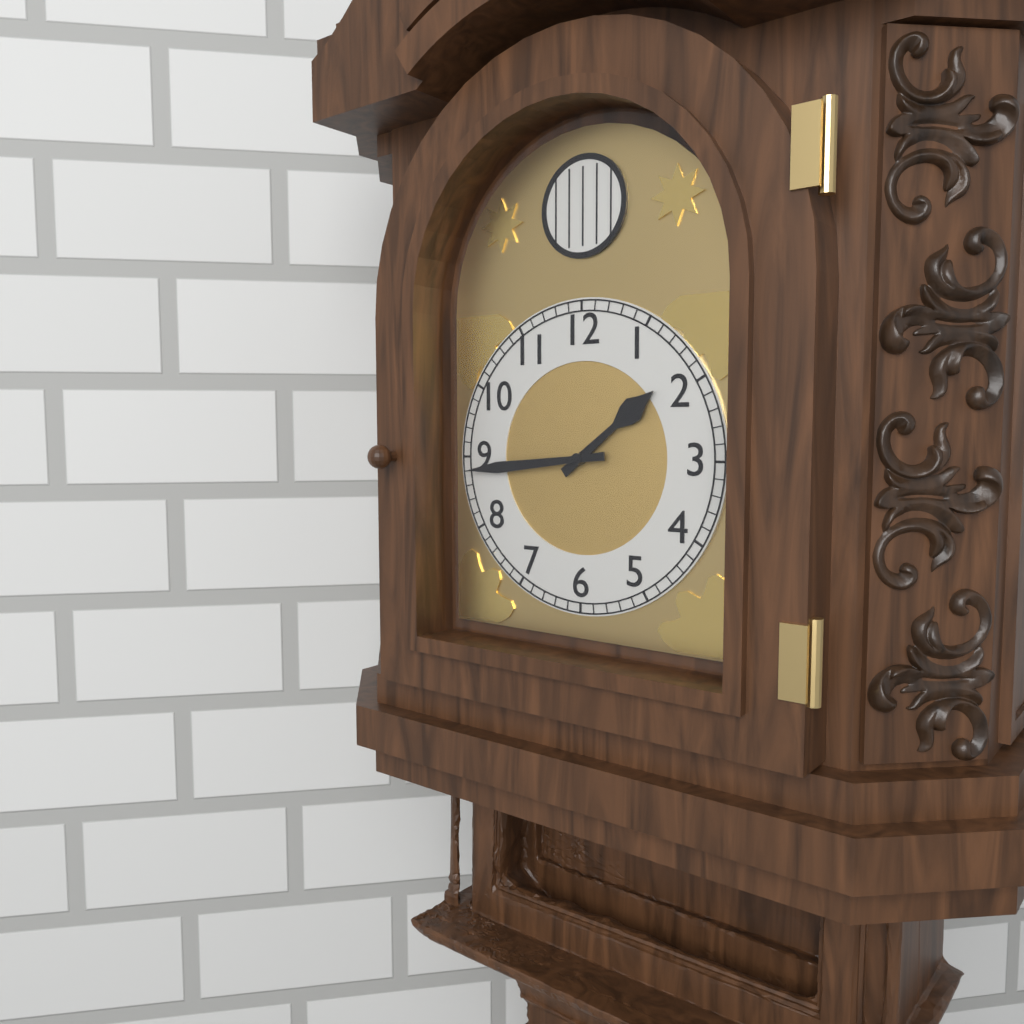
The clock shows 1:44
